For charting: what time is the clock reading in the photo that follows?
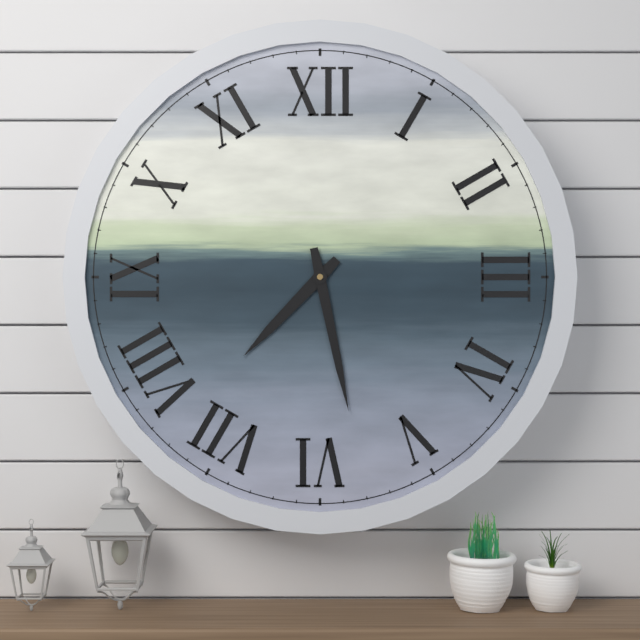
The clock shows 7:28
